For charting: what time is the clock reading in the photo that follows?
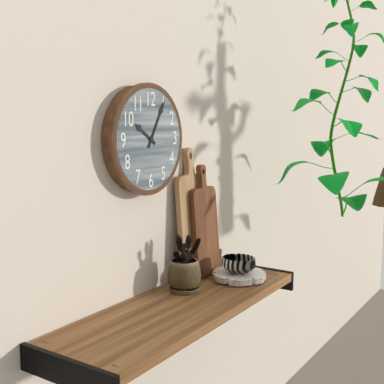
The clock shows 10:05
